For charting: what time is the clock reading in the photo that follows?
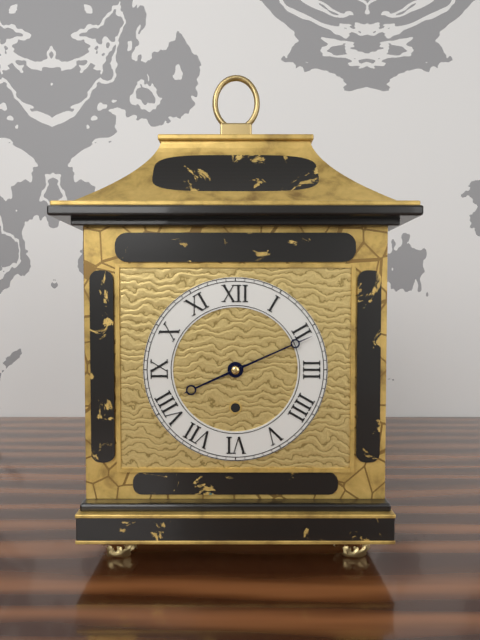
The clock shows 8:11
